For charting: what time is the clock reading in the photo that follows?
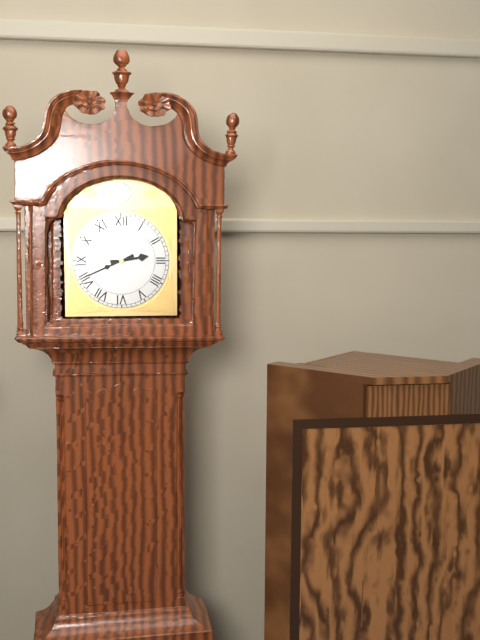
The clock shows 2:41
